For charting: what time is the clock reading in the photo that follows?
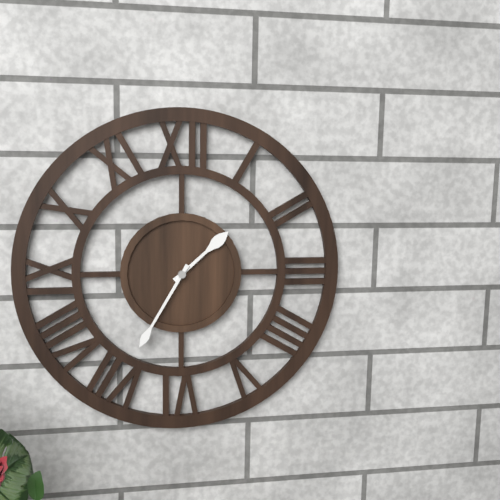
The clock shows 1:35
